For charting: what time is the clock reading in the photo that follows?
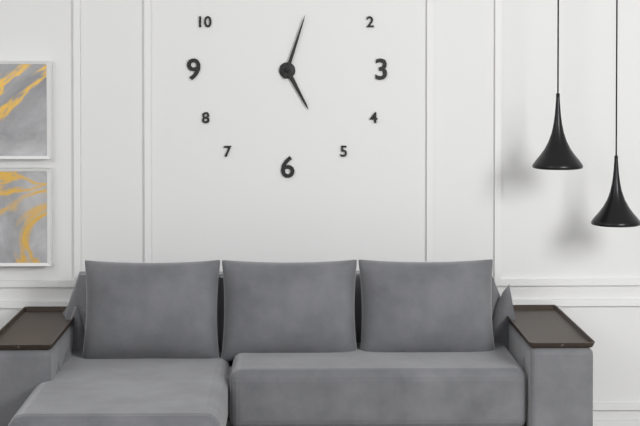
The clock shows 5:03
